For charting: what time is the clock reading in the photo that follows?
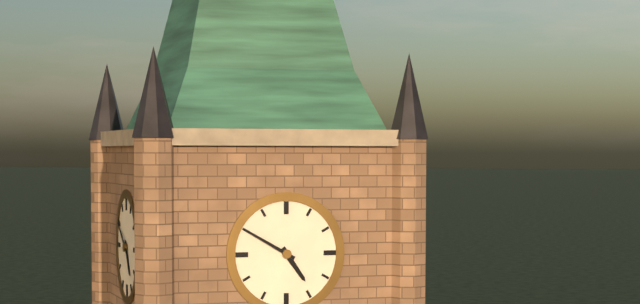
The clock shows 4:50
